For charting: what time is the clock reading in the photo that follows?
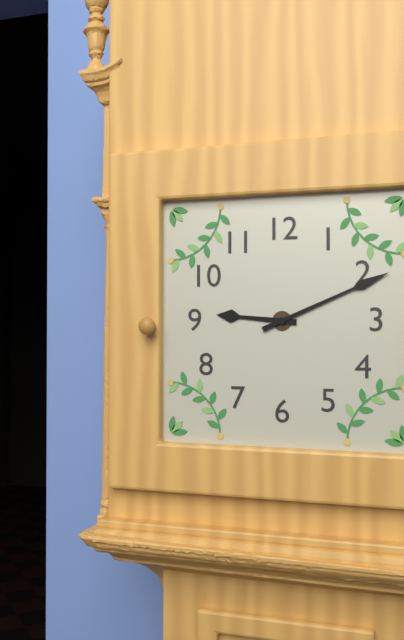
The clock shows 9:11
